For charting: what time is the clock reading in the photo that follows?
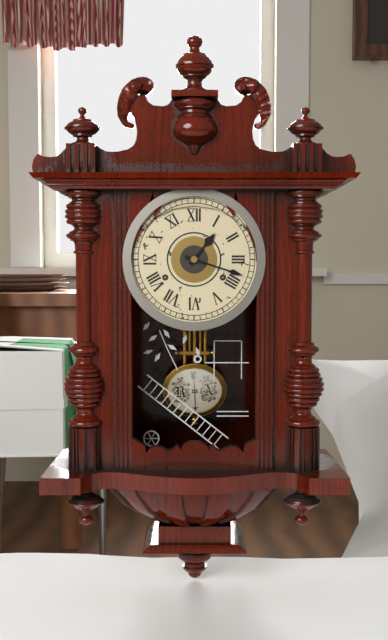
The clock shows 1:18
